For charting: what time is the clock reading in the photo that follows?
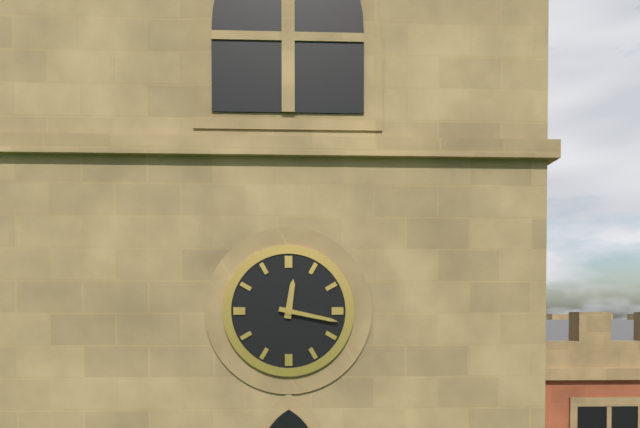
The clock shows 12:17
